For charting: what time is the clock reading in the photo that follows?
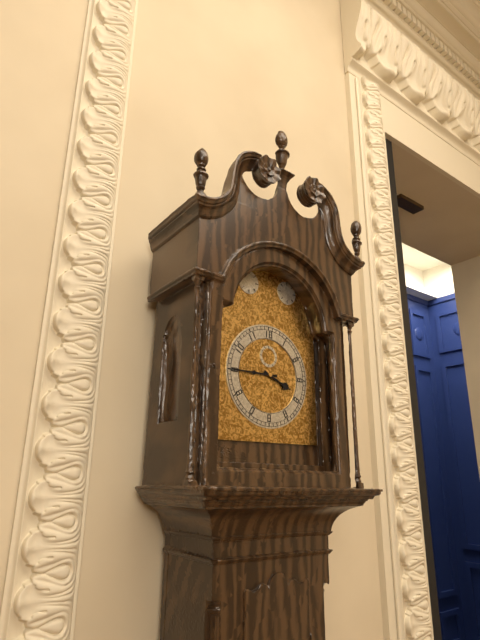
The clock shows 3:45
